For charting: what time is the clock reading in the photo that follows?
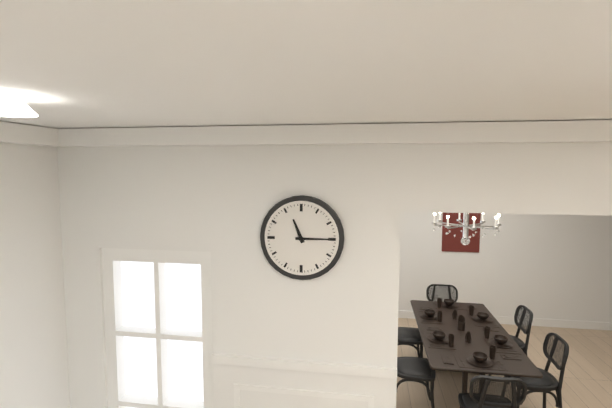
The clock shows 11:15
